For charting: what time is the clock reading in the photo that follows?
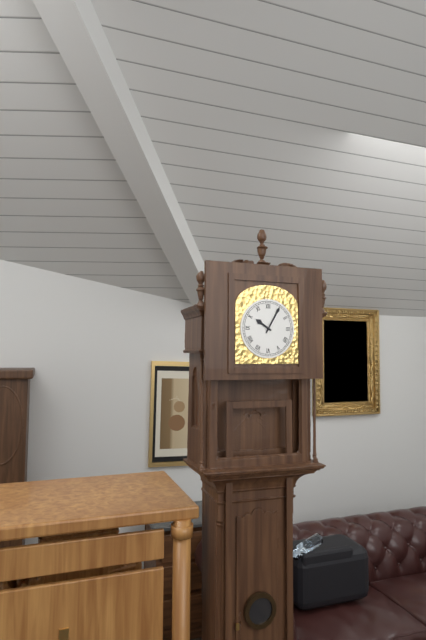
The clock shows 10:05
